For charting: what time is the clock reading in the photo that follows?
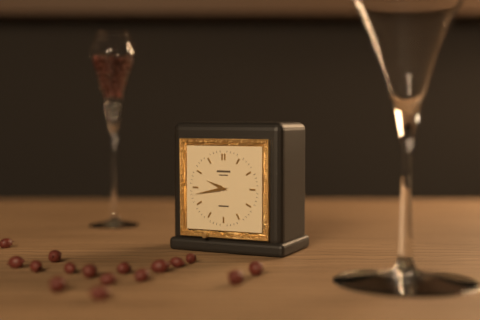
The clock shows 9:43
